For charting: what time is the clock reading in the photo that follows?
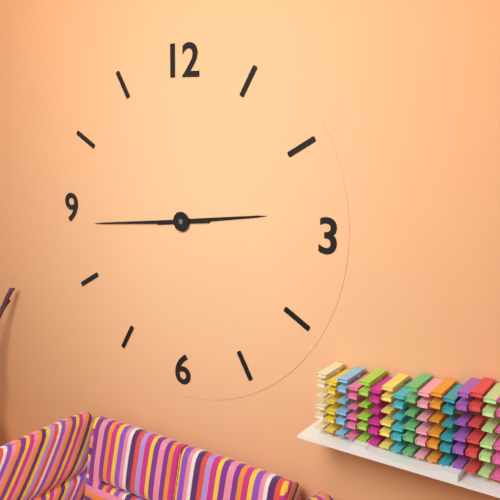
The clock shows 2:44
